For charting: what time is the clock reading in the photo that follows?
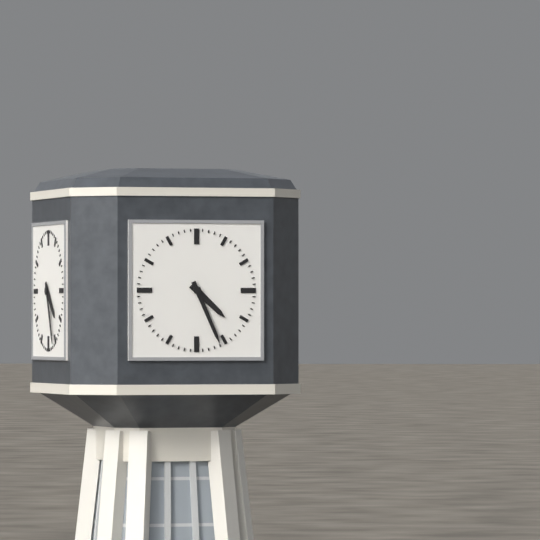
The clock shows 4:26
